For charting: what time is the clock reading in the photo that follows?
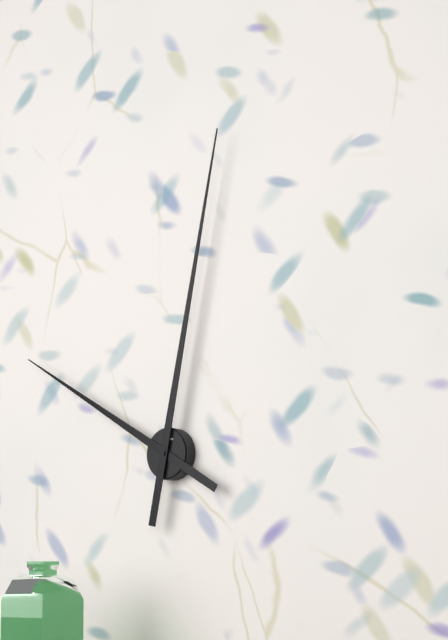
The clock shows 10:02
